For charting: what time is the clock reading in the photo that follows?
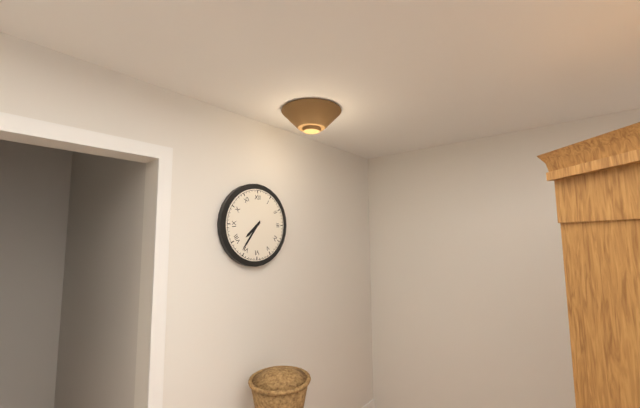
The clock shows 7:36
